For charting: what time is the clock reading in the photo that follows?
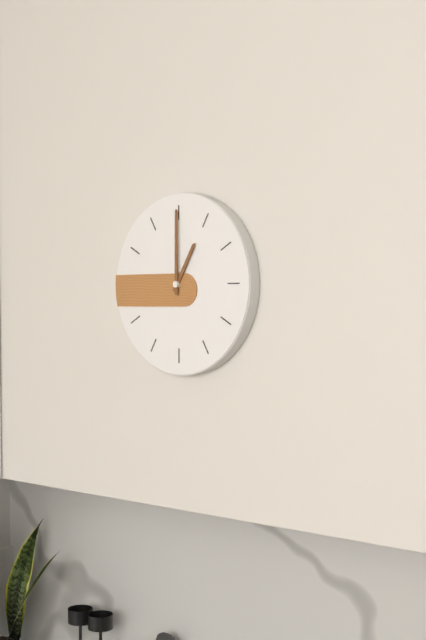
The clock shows 1:00
